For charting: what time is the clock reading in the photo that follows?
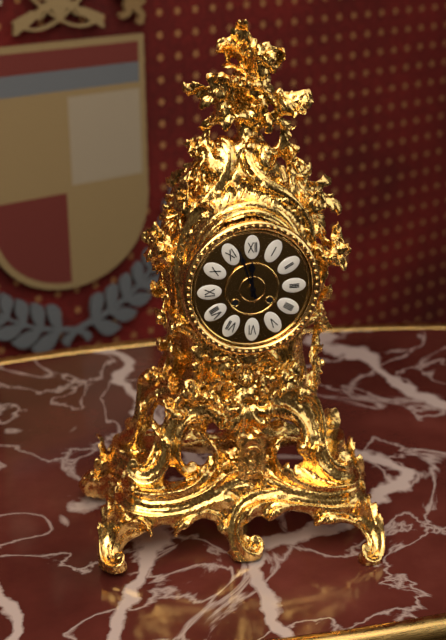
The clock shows 11:57
